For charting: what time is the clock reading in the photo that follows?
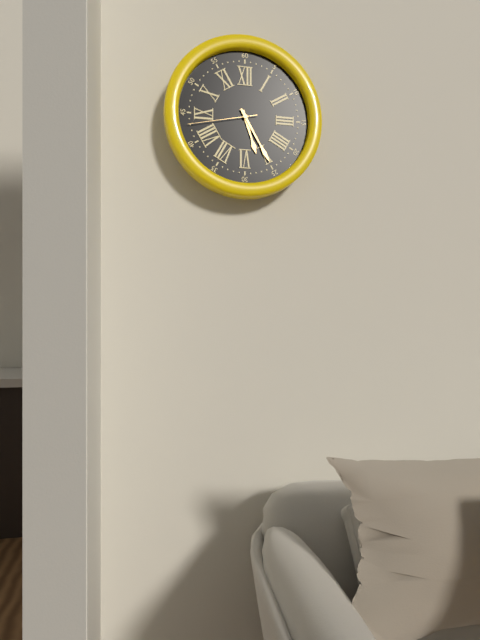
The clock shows 5:25:43
